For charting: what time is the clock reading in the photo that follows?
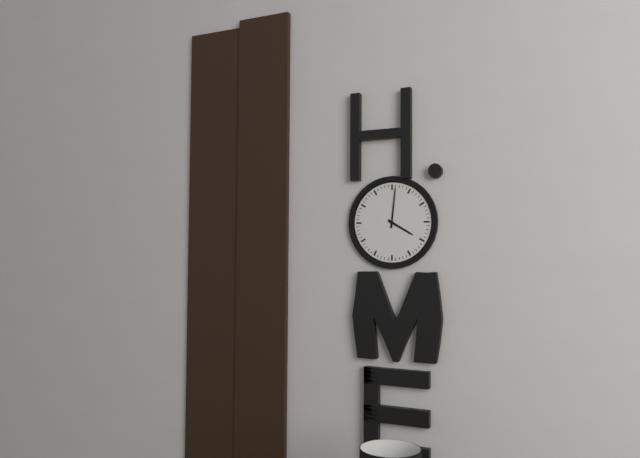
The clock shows 4:01
